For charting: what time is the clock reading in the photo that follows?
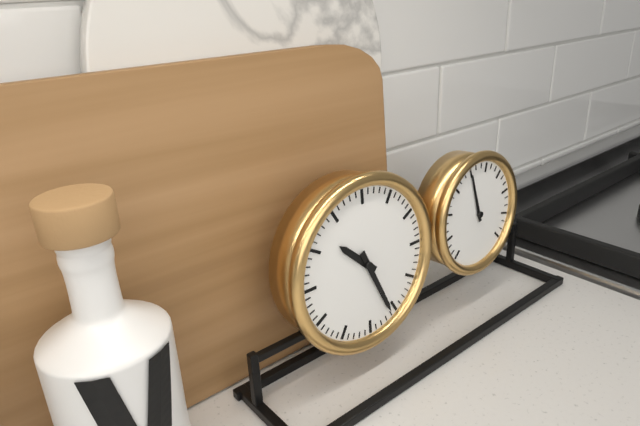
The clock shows 10:26
